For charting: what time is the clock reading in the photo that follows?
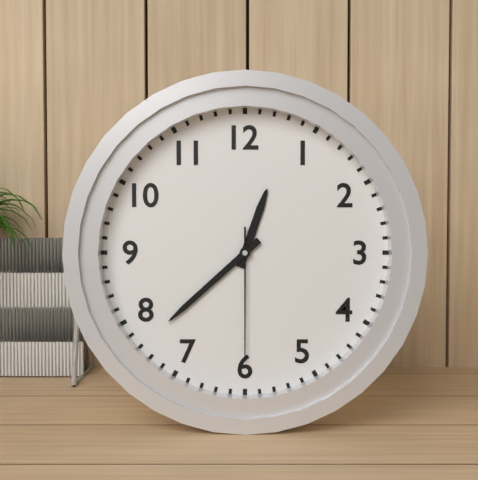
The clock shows 12:38:30
